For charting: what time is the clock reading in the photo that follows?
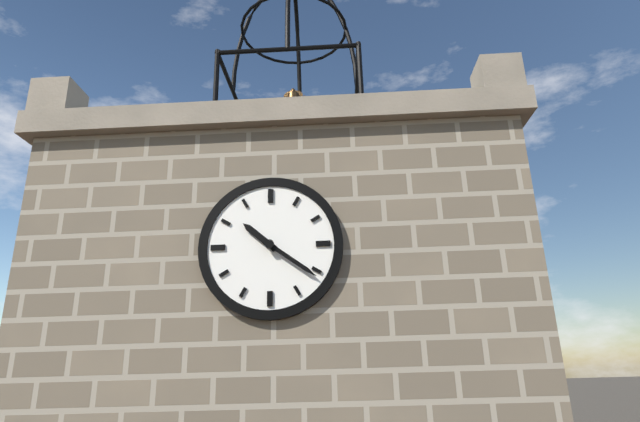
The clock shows 10:21
